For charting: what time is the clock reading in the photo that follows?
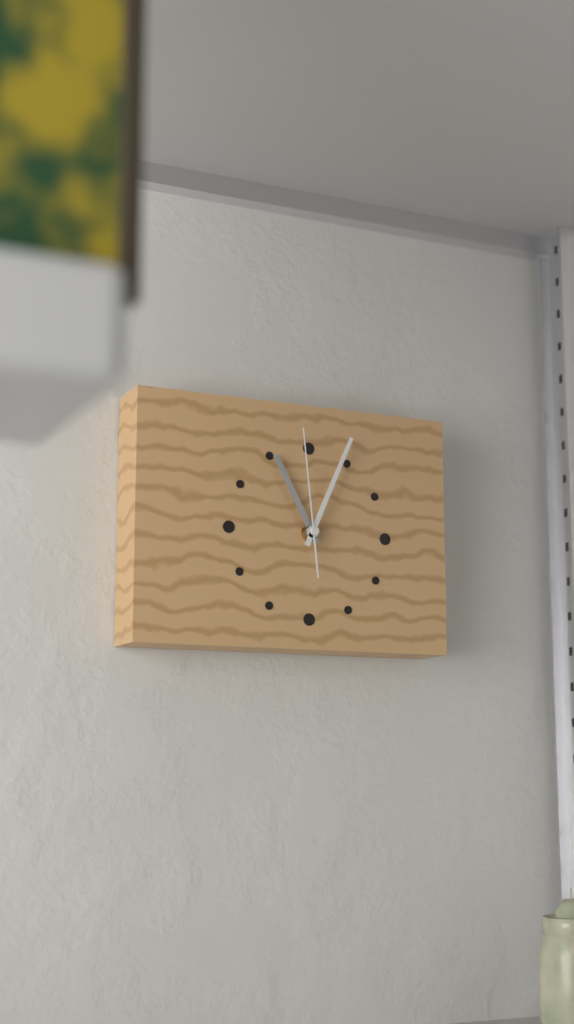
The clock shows 11:04:59
